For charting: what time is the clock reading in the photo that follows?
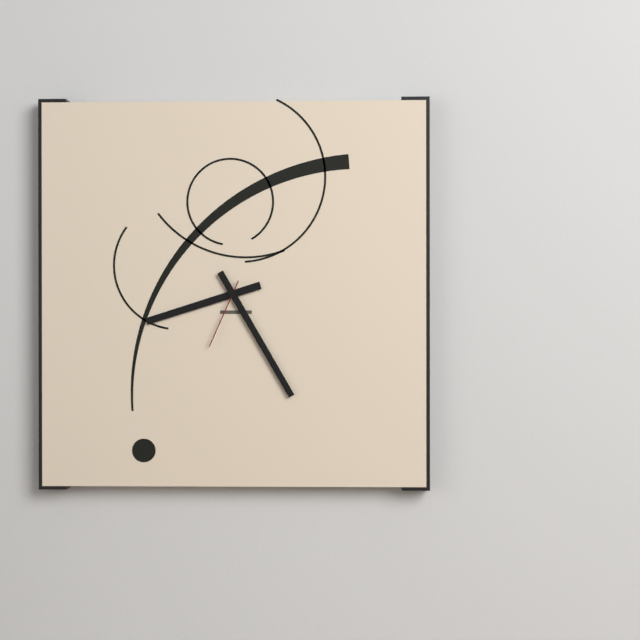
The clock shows 8:25:34
